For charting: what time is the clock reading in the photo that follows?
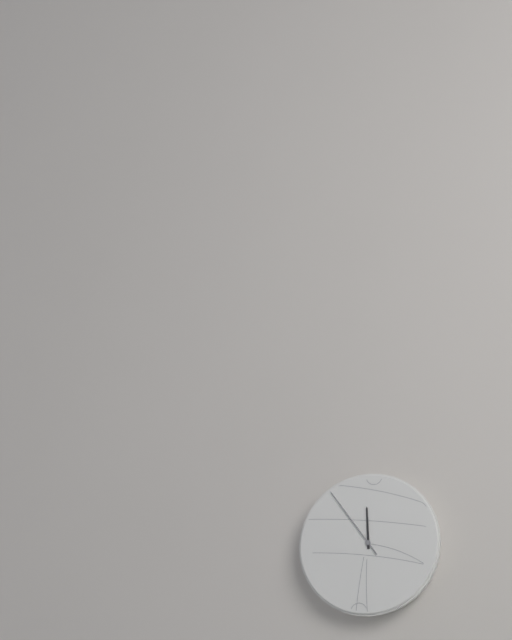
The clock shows 11:54
